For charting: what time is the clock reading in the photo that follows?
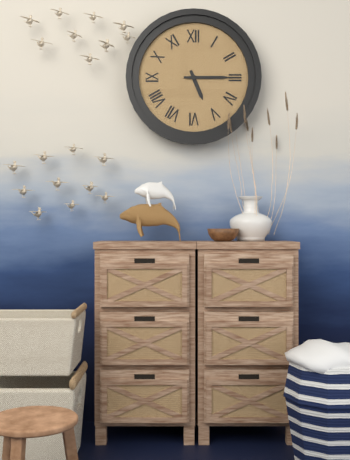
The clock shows 5:15
